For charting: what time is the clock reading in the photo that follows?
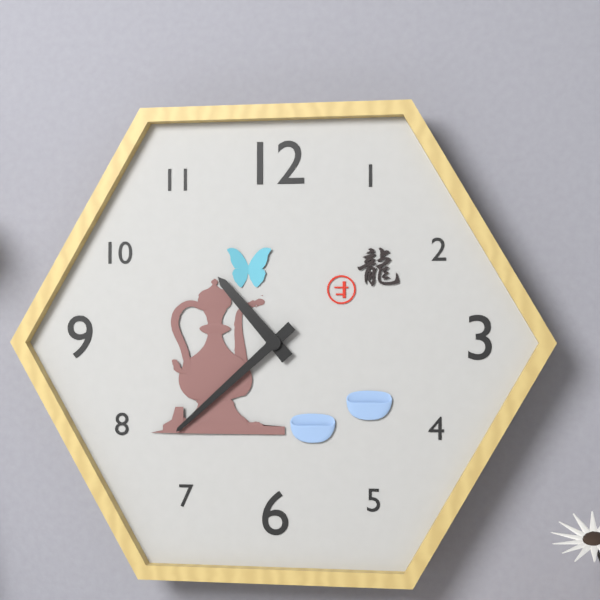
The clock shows 10:38
